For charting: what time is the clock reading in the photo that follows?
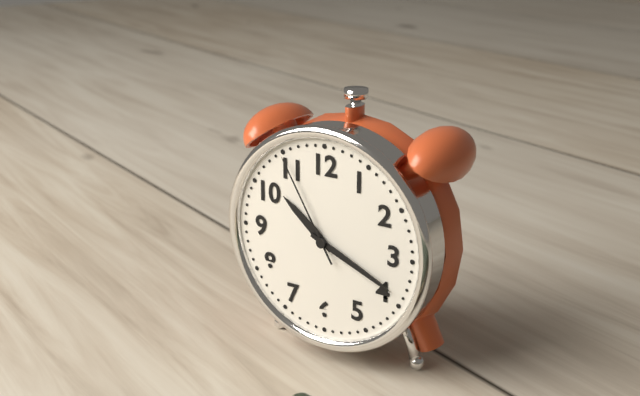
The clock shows 10:19:55
